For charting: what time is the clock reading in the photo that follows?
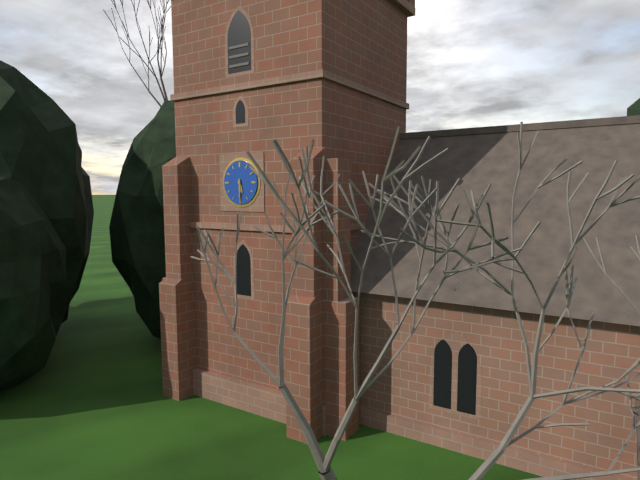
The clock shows 5:30
